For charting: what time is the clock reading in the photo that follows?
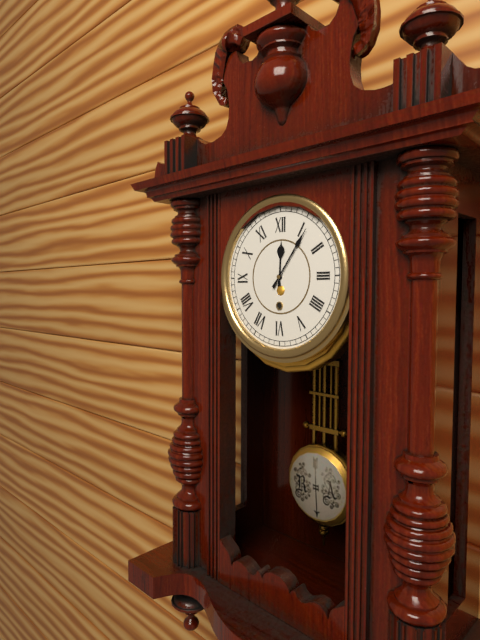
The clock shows 12:06
